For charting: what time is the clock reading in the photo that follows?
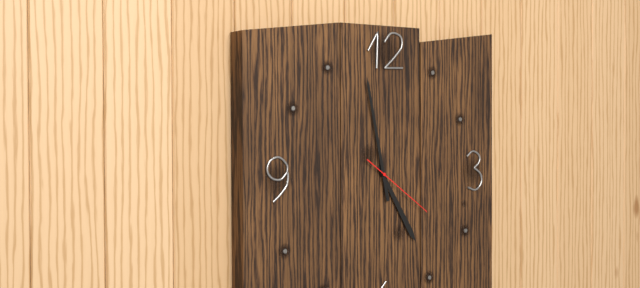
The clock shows 4:58:21
